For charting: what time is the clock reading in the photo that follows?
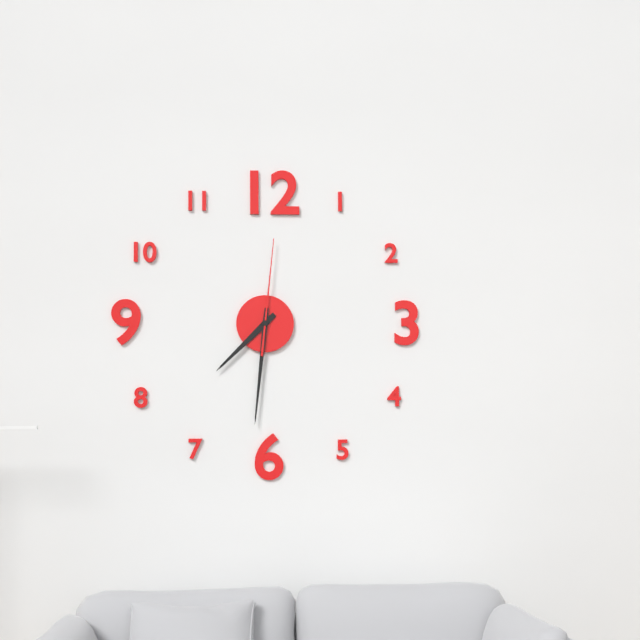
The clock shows 7:31:01
